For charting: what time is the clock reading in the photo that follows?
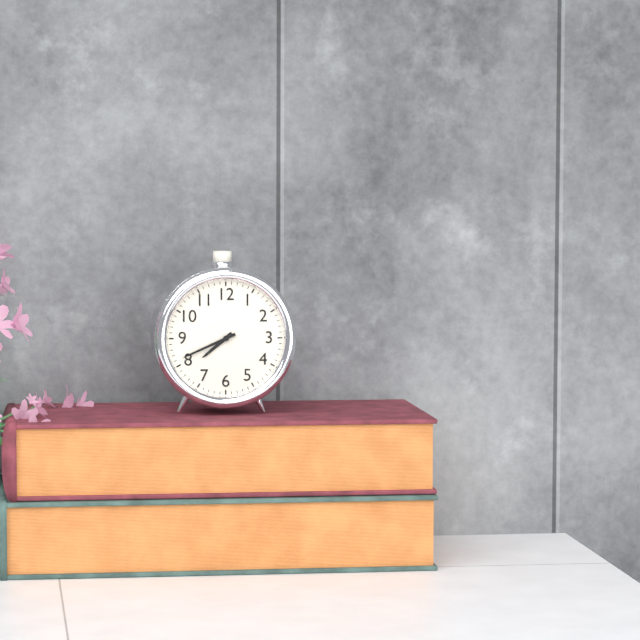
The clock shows 7:41
